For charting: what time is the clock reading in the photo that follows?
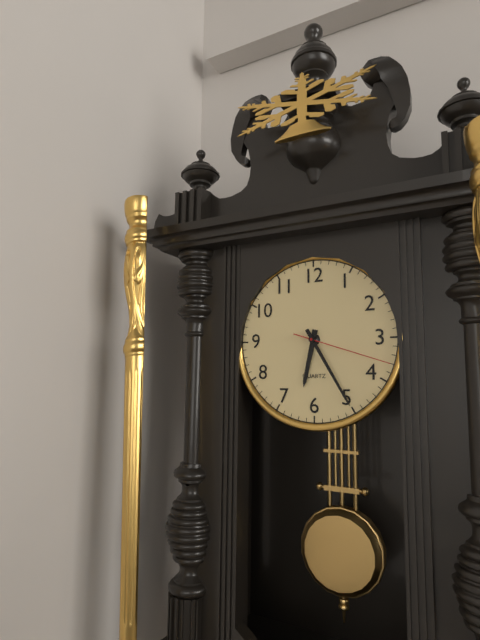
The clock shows 6:25:18
